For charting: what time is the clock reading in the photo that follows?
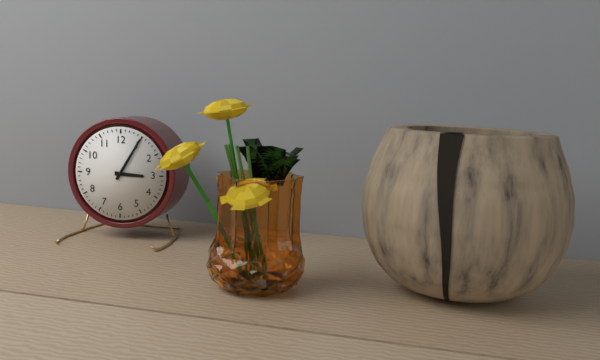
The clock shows 3:05
